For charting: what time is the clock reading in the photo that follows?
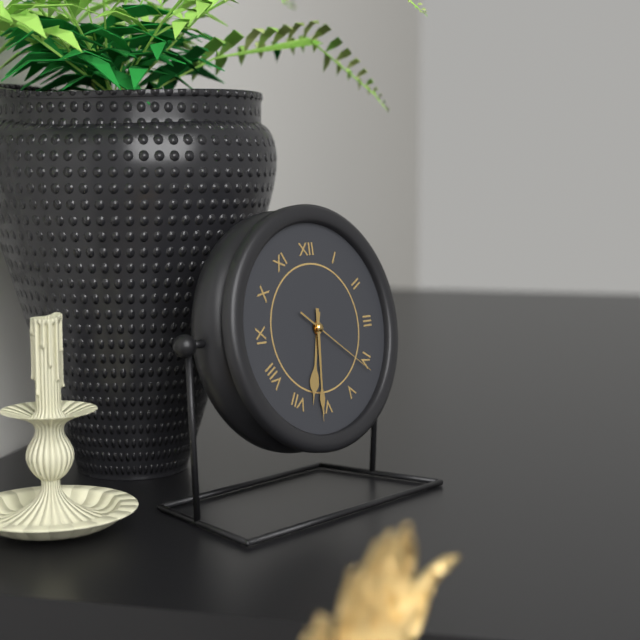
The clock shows 6:31:21
